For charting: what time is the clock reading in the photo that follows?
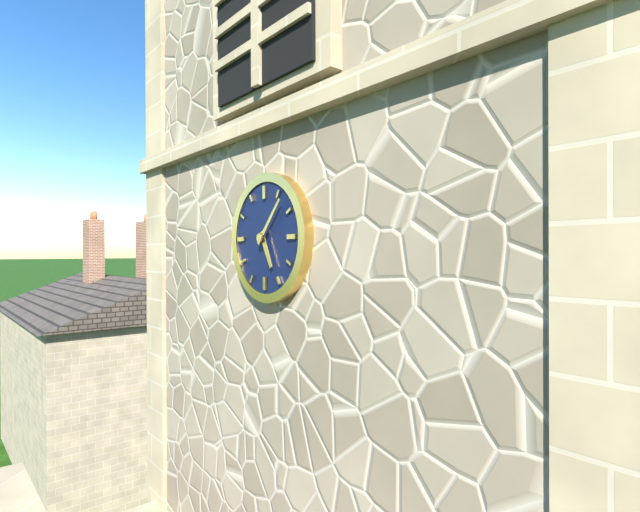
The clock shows 5:07
